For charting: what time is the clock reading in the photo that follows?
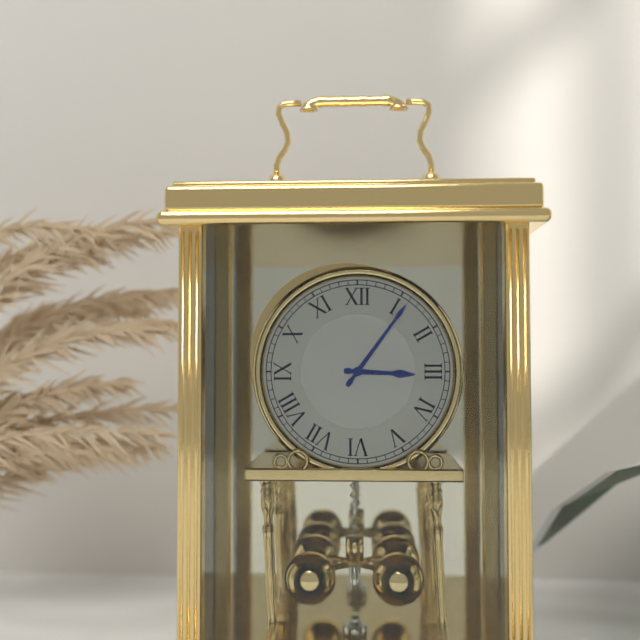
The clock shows 3:06
